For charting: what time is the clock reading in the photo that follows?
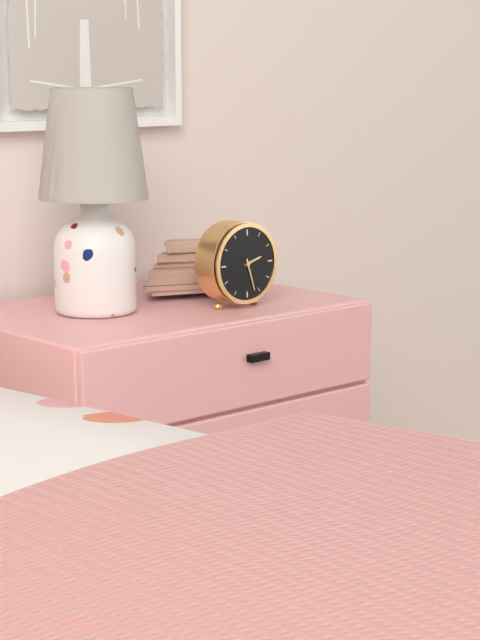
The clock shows 2:27
